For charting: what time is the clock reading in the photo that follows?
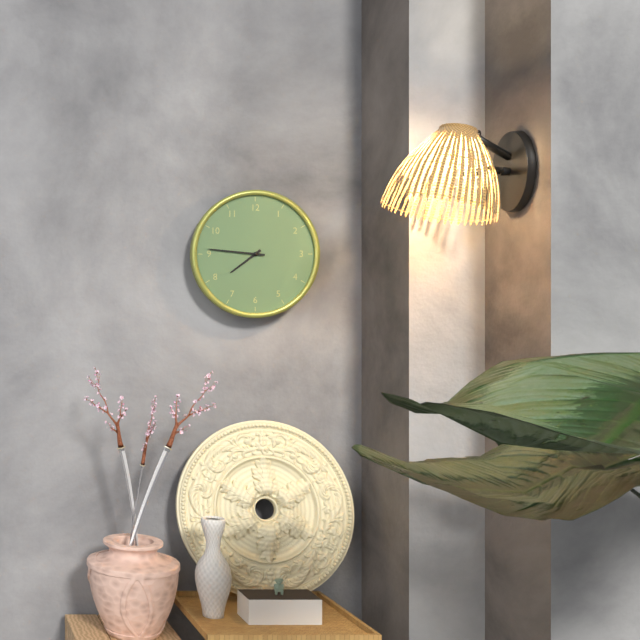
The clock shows 7:46
